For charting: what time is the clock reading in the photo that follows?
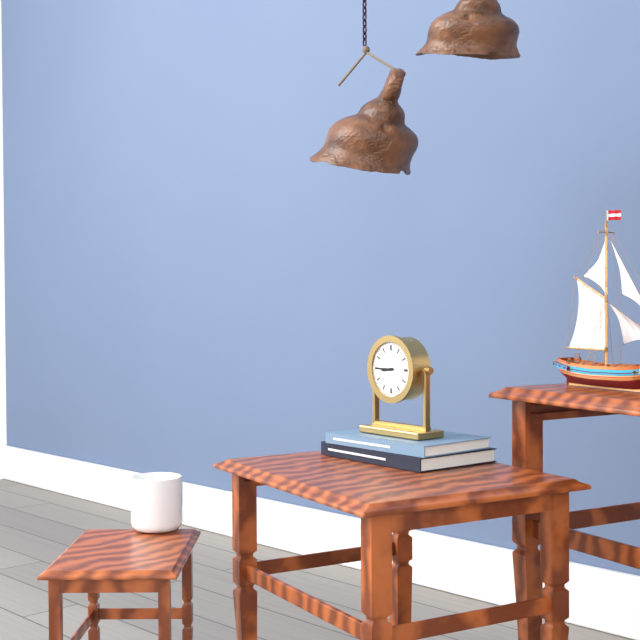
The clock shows 8:45
